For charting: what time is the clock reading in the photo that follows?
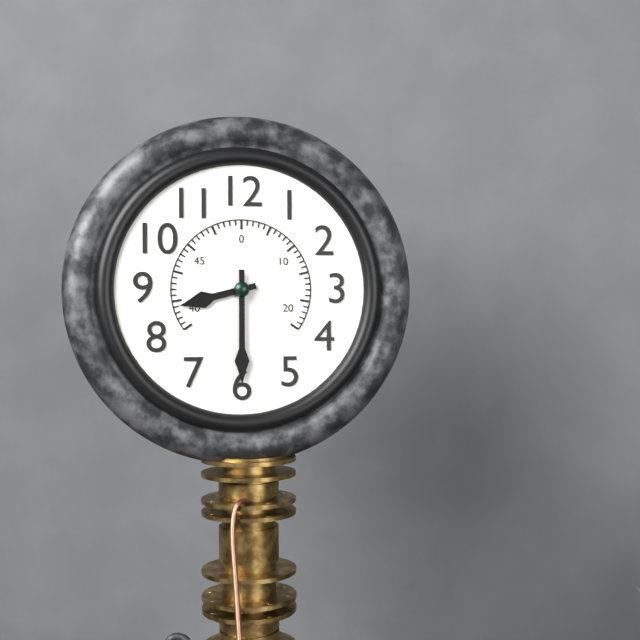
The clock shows 8:30
